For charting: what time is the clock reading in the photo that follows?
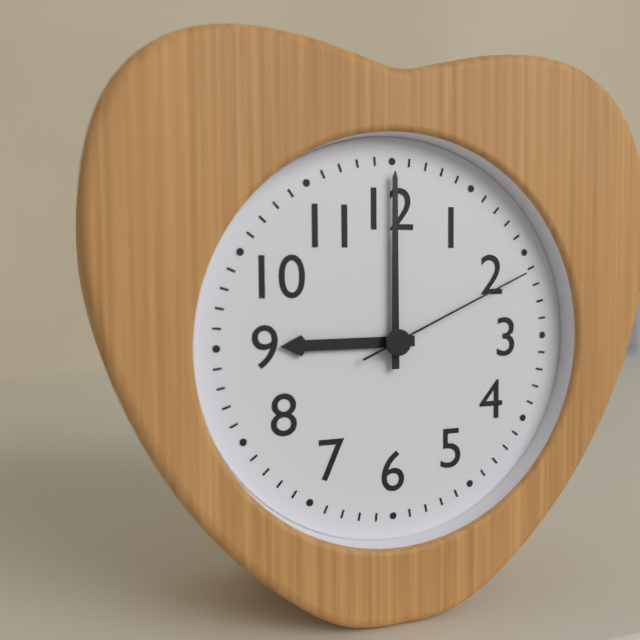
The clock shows 9:00:11
